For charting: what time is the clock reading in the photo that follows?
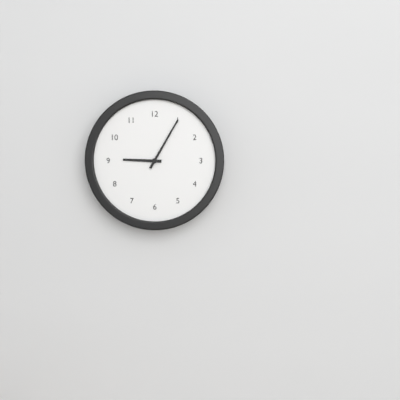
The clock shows 9:05
